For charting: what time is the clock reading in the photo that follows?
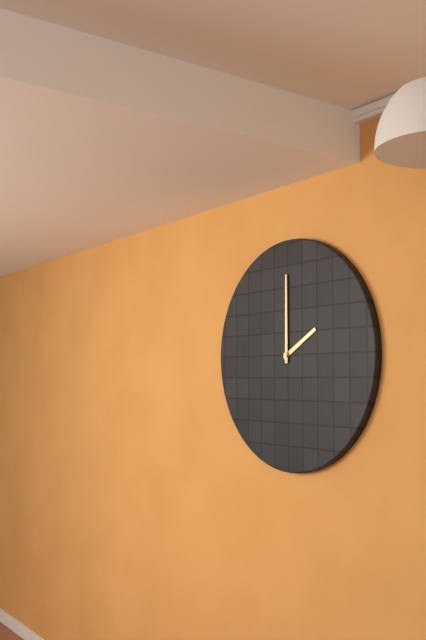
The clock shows 2:00
